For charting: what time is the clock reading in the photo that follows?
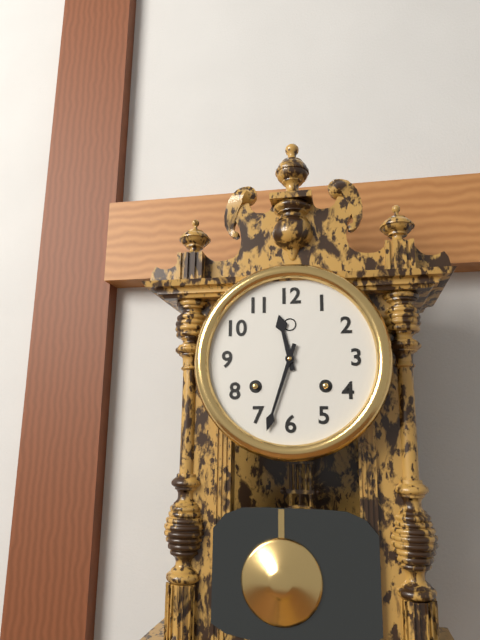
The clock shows 11:33
